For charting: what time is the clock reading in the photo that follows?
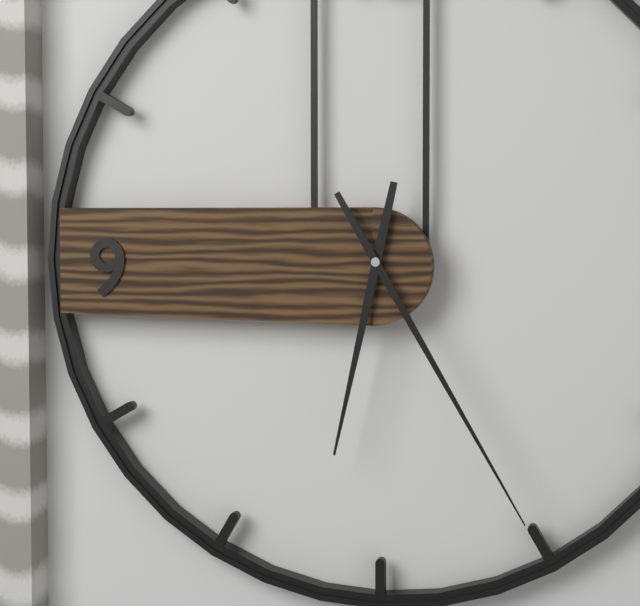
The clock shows 6:25
